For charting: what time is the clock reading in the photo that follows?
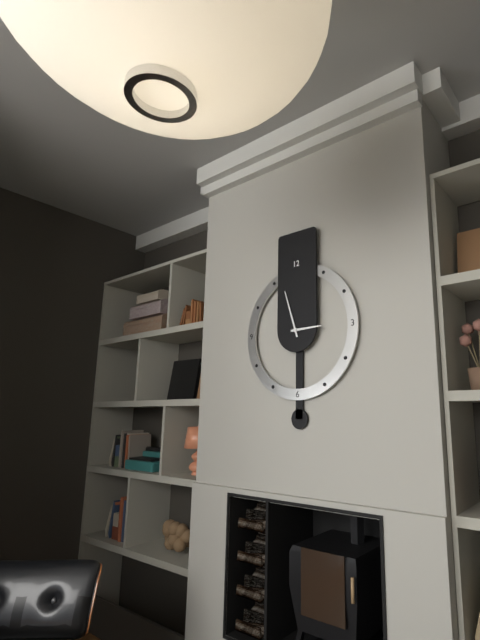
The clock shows 2:57
